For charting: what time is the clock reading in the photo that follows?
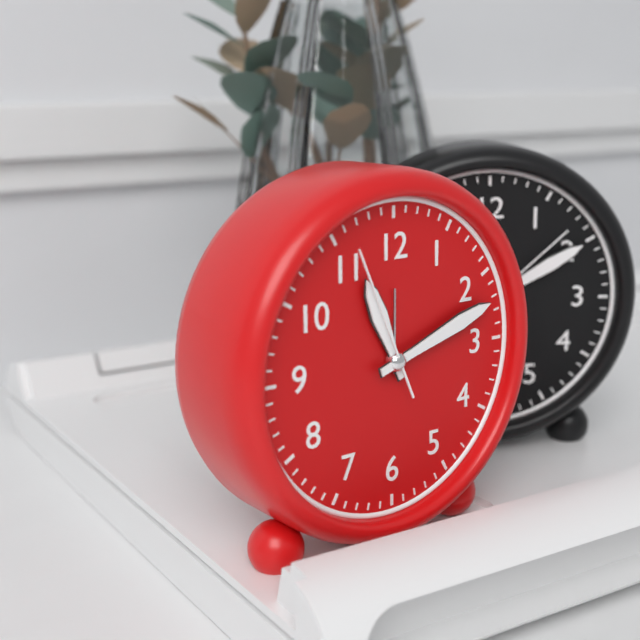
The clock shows 11:12:56
